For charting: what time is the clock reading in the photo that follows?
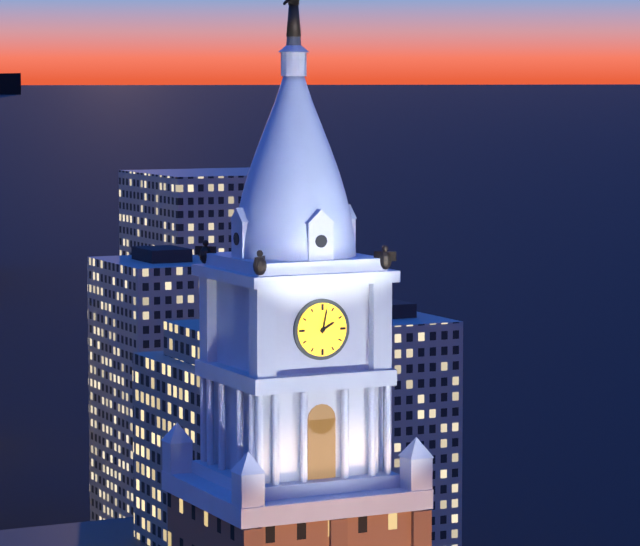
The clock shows 2:02
